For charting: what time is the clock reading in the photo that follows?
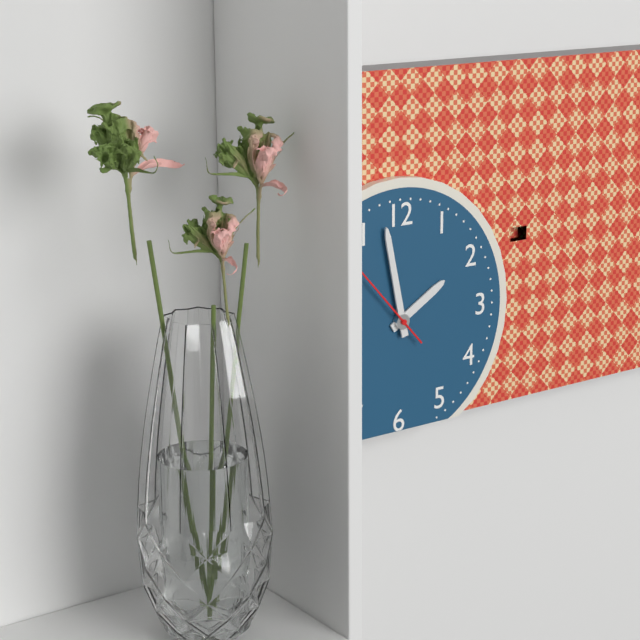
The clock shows 1:58:53
